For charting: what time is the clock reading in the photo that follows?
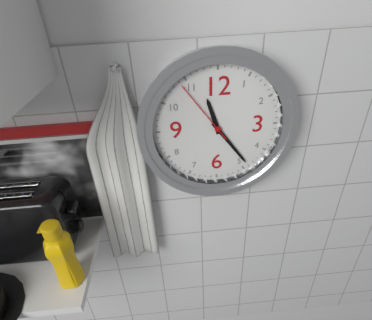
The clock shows 11:24:54
